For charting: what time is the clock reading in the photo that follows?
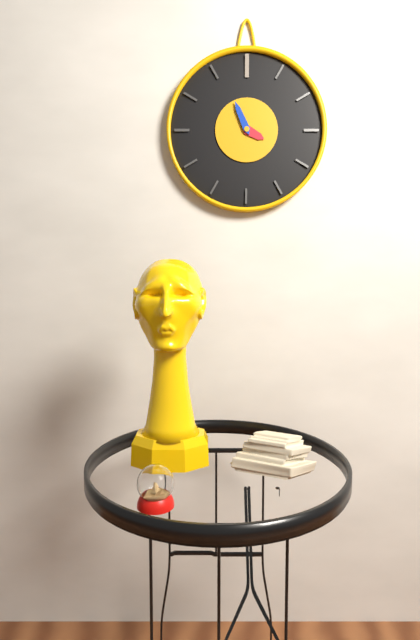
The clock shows 3:56
